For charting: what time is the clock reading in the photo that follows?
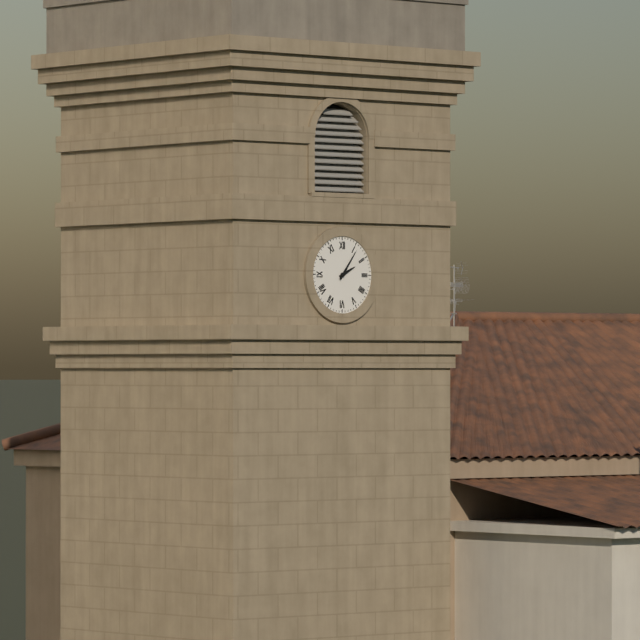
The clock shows 2:06
